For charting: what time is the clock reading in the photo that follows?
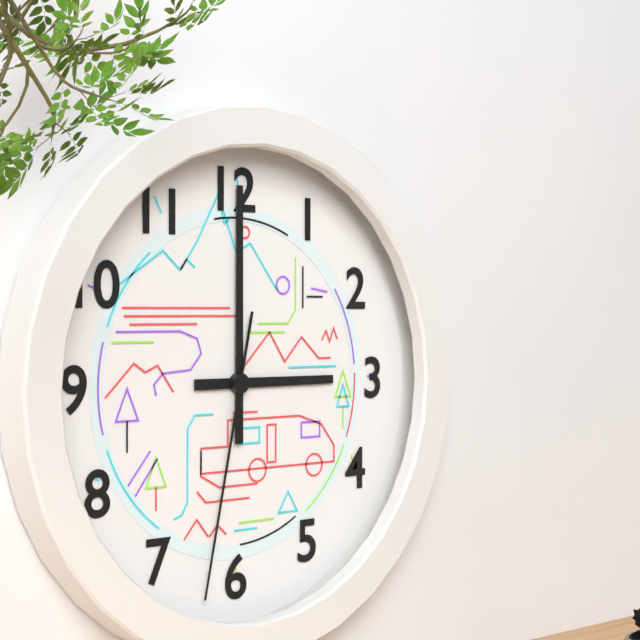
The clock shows 3:00:32
